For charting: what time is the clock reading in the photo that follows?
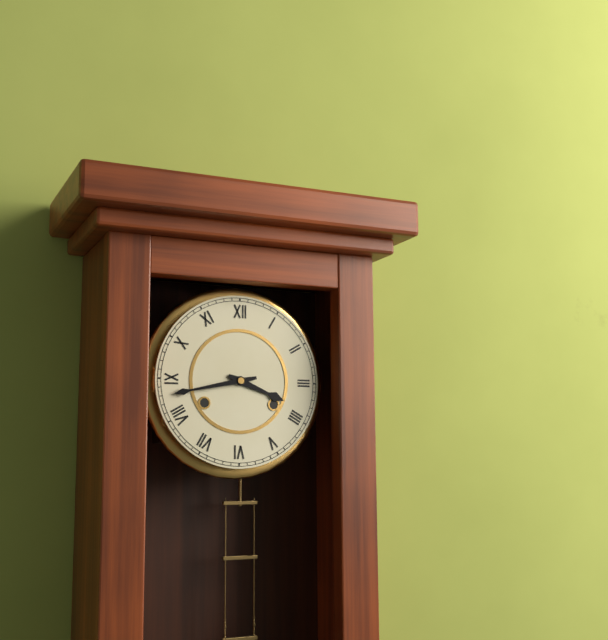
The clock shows 3:43
